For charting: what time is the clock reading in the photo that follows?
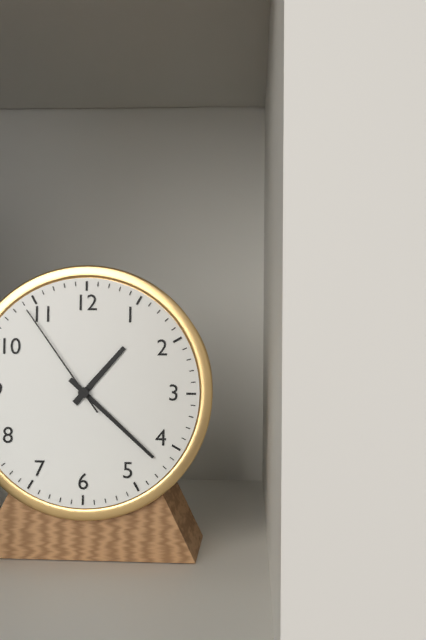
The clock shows 1:22:54
